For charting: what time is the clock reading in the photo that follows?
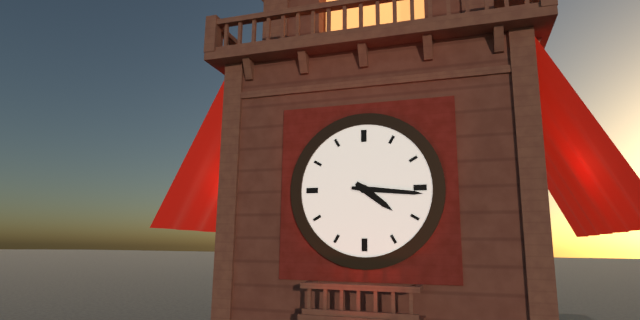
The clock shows 4:16
